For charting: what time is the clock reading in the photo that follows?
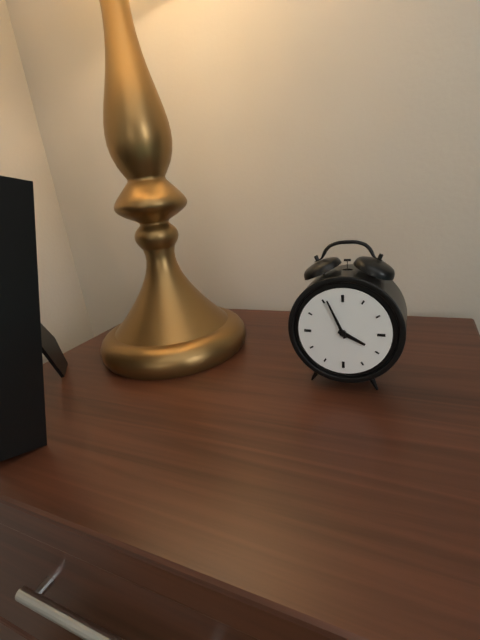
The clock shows 3:56
